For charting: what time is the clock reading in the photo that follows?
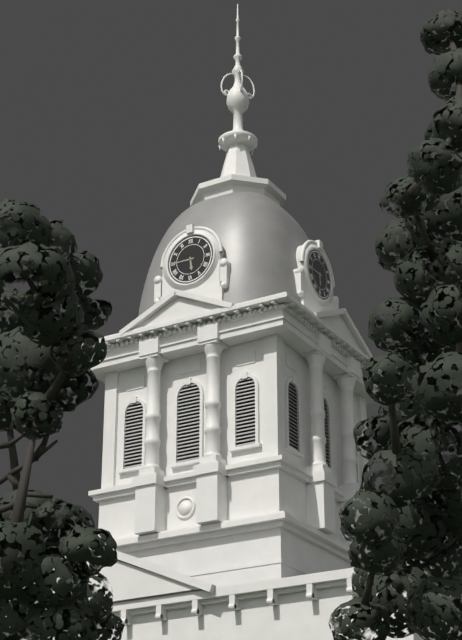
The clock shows 5:45
